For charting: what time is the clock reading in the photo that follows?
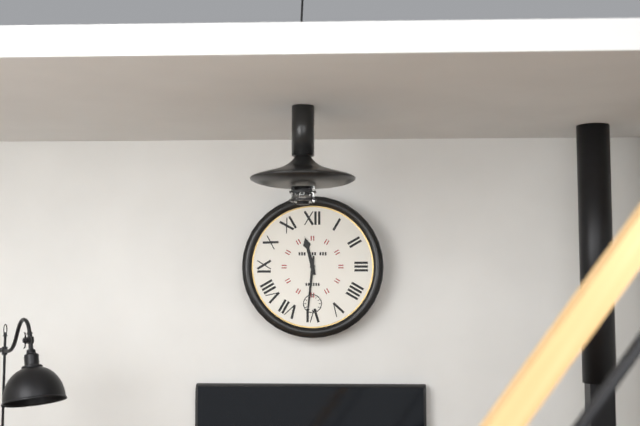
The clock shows 11:31
